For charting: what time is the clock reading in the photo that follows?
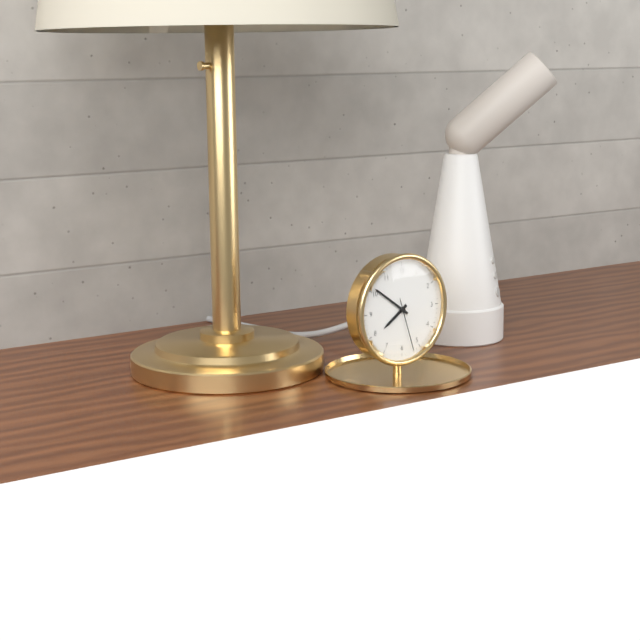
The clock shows 7:51:27
